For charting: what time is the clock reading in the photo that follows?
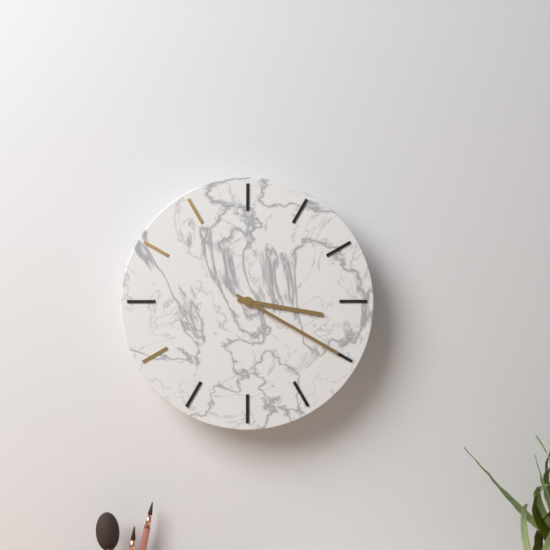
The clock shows 3:20
